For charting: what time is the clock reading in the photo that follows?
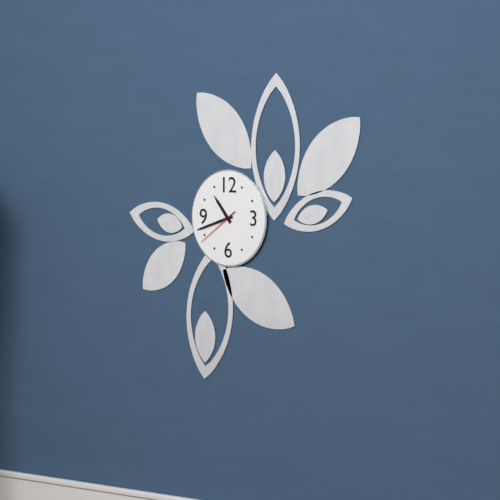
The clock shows 10:42
